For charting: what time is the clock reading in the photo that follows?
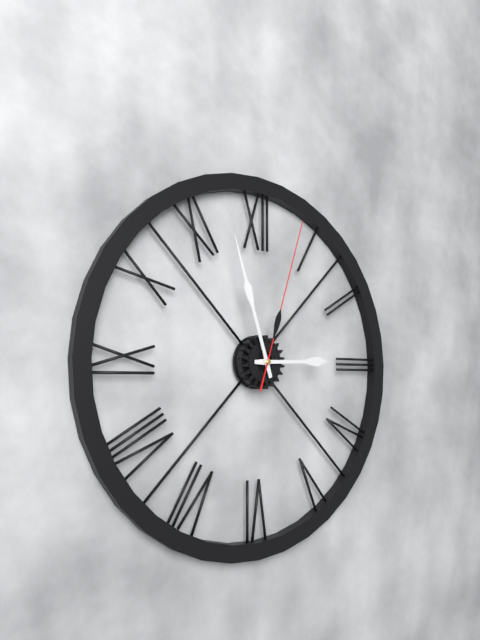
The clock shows 2:57:03
